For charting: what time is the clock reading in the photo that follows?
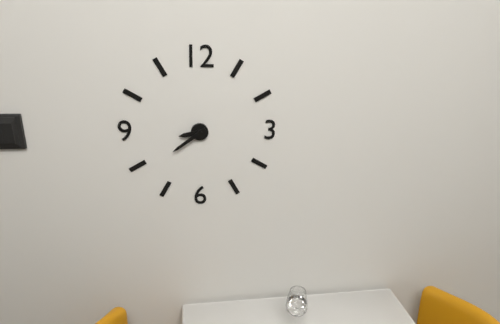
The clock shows 8:39
